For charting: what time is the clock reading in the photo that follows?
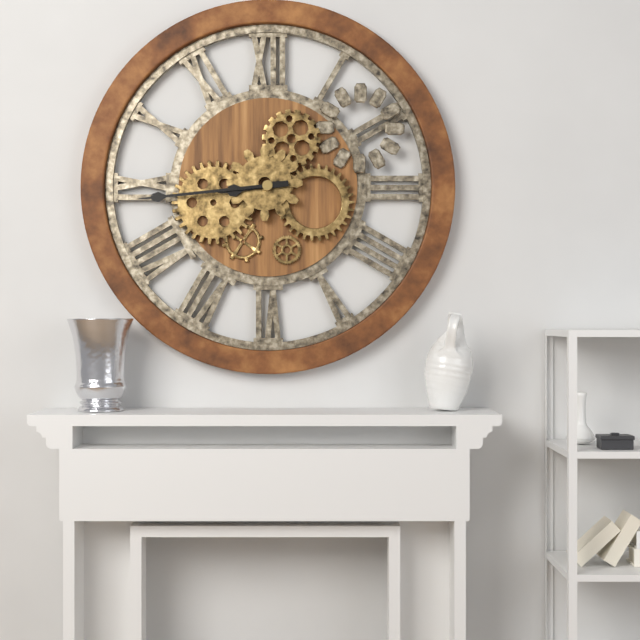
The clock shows 8:44
